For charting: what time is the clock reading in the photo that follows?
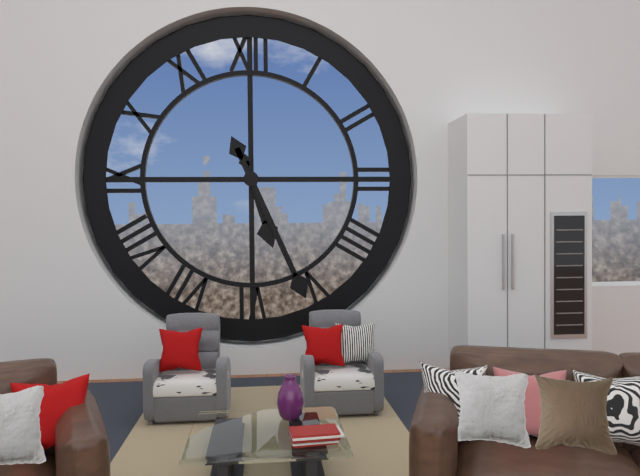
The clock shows 5:26
